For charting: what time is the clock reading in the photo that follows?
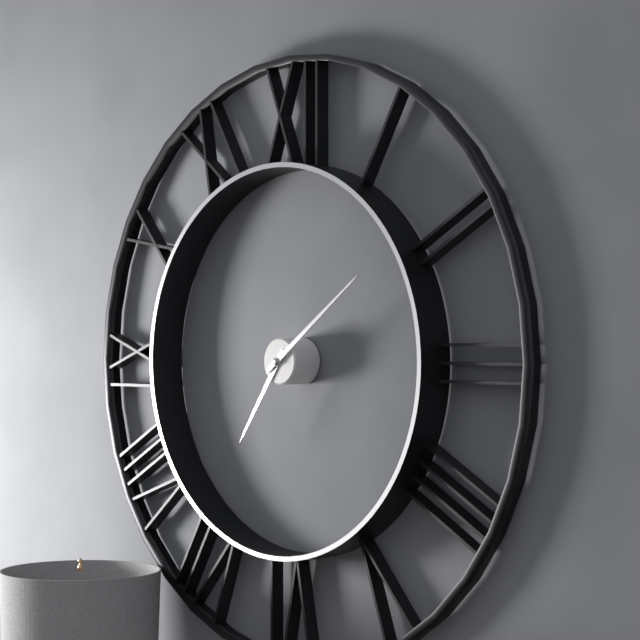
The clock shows 7:09
